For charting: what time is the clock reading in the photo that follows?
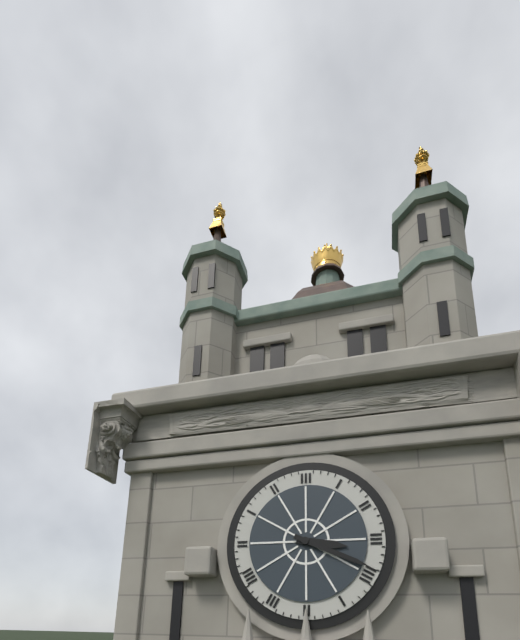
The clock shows 3:19
